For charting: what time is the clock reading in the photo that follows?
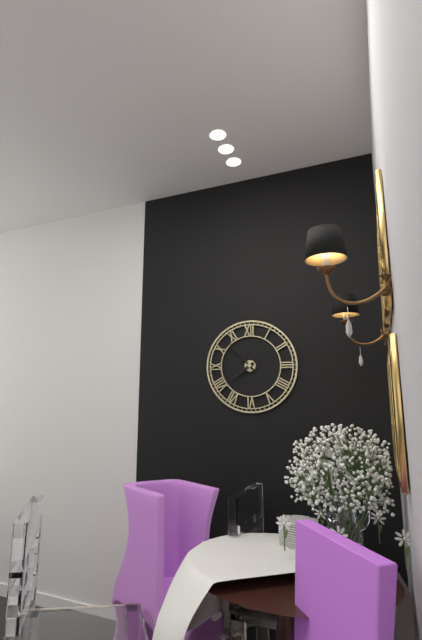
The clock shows 7:53
